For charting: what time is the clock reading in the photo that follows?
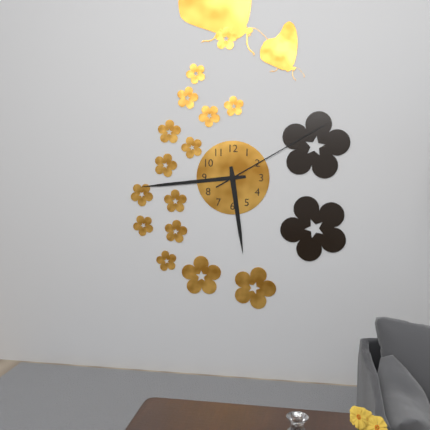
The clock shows 5:44:10
